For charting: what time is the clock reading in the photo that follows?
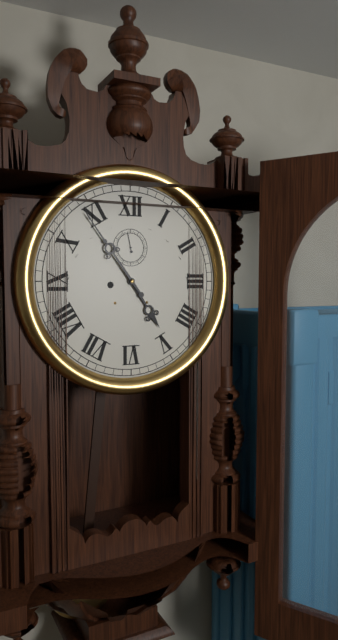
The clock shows 4:54
